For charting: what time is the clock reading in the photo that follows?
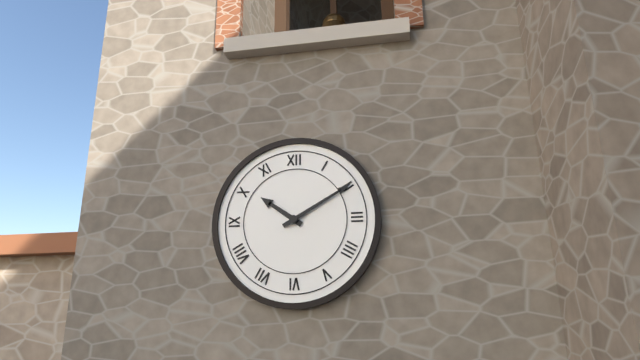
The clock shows 10:10
